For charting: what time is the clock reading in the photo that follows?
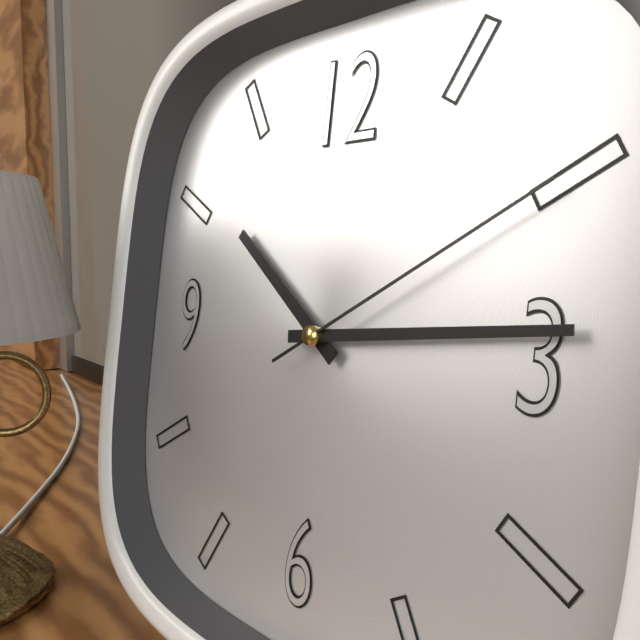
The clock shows 10:14:10
